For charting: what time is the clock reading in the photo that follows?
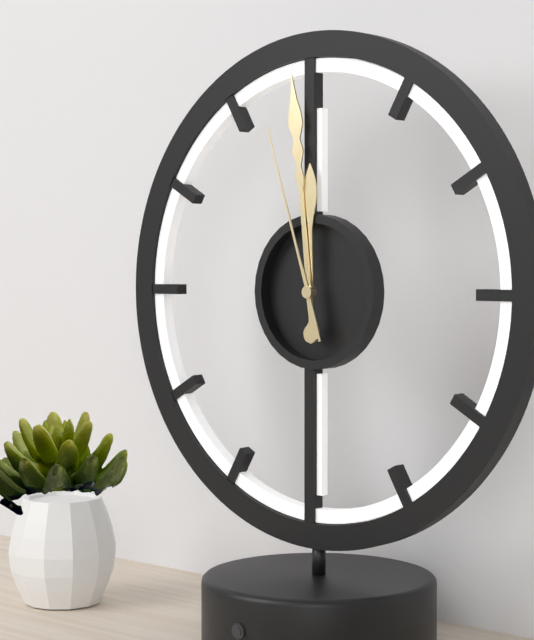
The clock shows 11:59:57
